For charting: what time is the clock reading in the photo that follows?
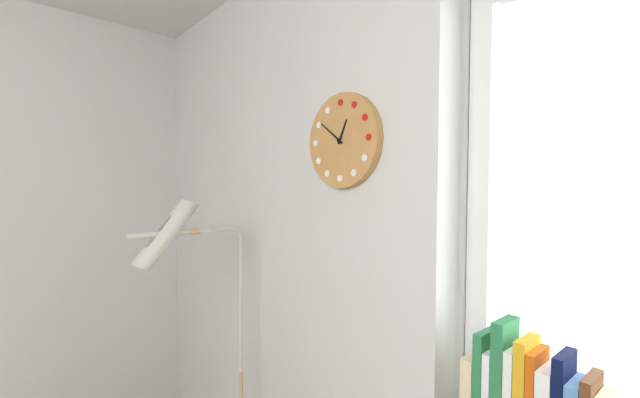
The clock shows 12:51
